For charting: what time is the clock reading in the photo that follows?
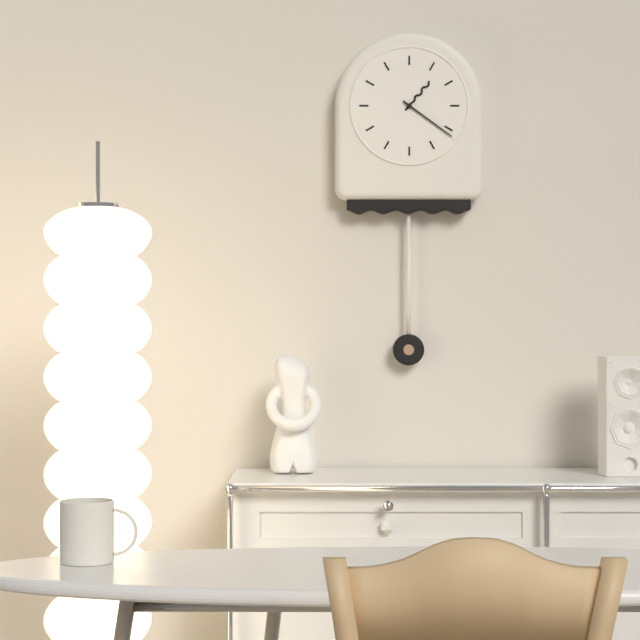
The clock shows 1:21
